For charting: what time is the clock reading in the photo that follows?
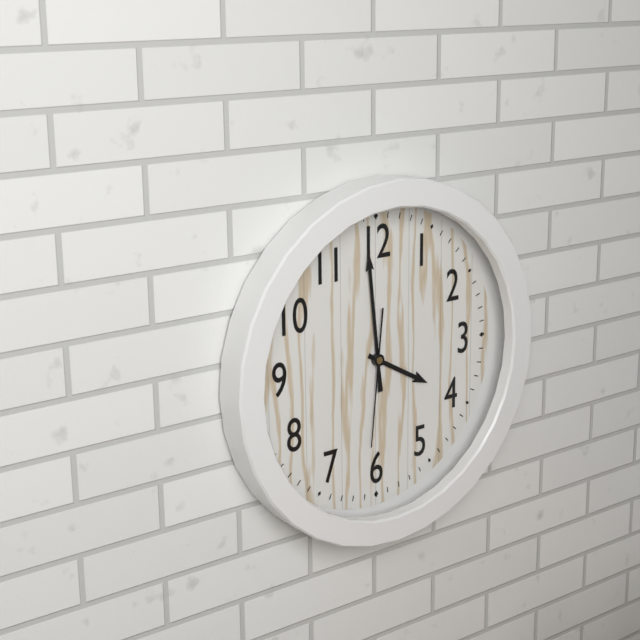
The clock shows 3:59:31
